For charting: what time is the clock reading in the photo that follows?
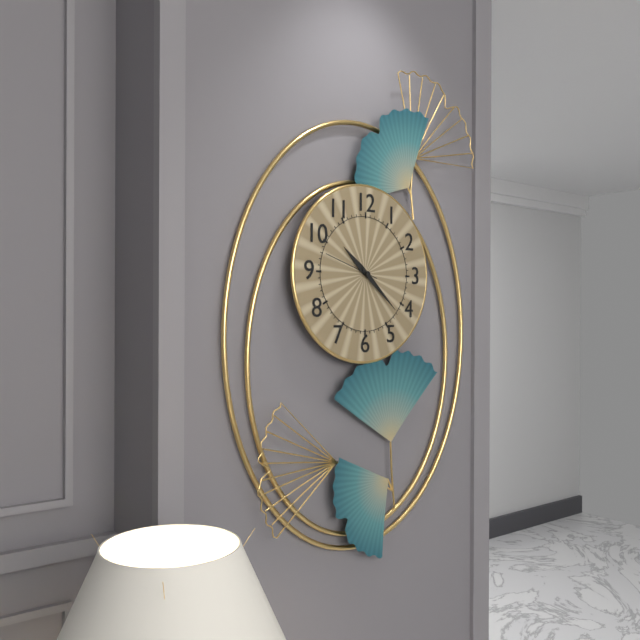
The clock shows 10:22:48
